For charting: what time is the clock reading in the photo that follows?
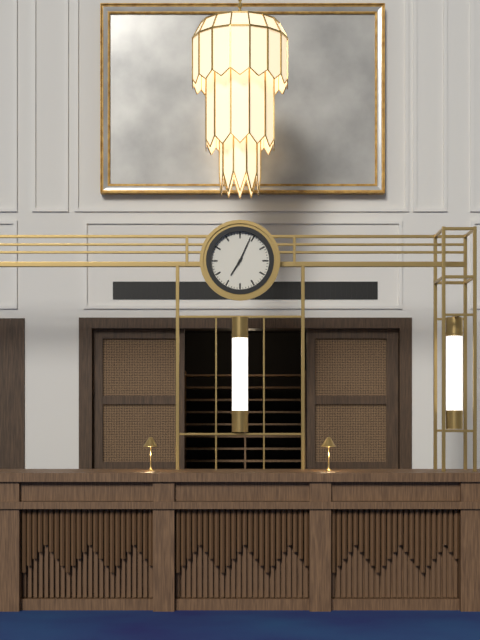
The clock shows 7:04
